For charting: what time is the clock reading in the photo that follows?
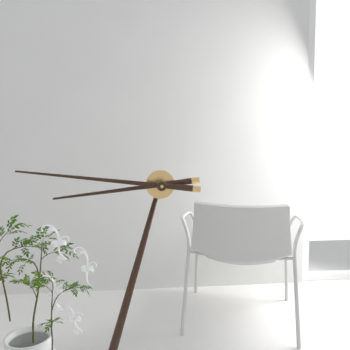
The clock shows 8:46
